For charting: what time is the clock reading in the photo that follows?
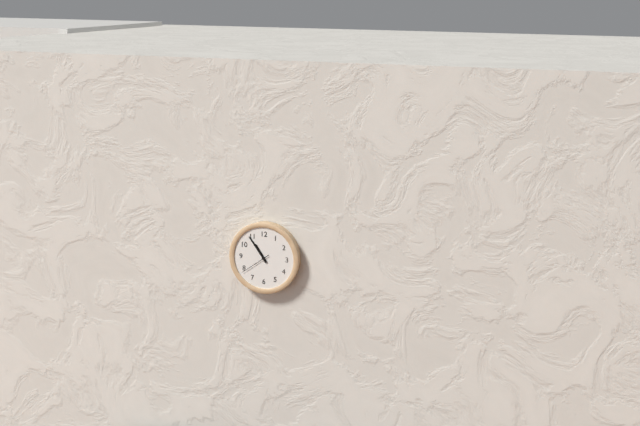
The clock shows 10:54
